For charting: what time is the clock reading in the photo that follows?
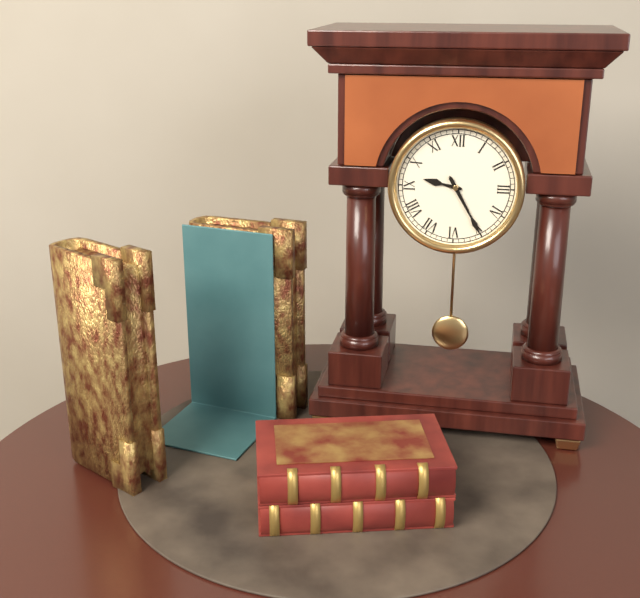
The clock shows 9:25
